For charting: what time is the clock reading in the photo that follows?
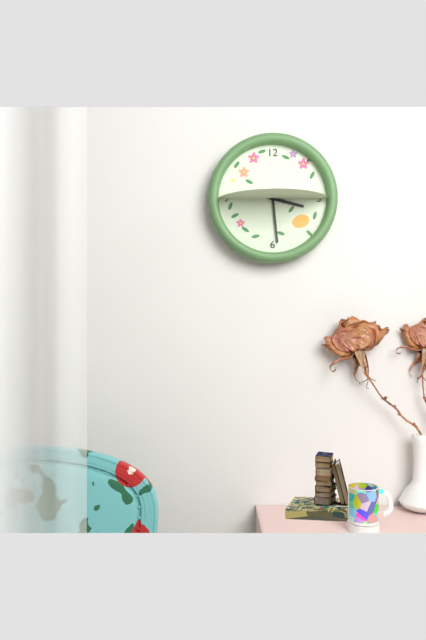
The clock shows 3:29
